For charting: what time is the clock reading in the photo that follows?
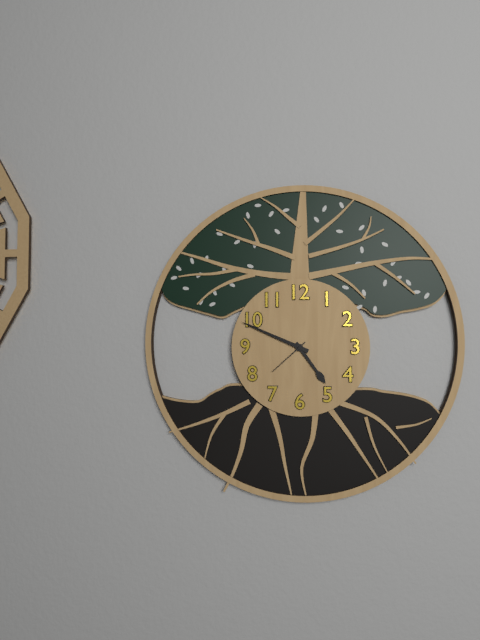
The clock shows 4:49
